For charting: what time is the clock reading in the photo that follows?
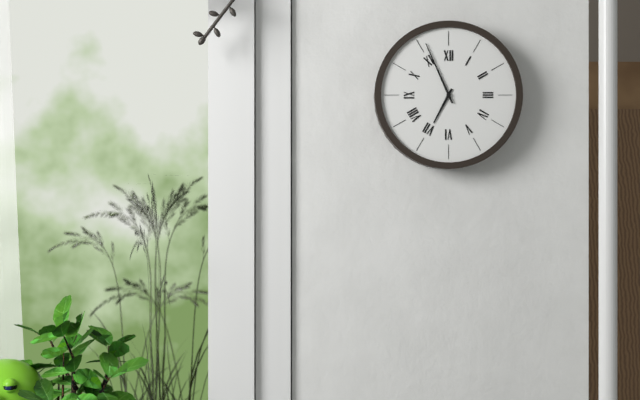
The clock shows 6:56
